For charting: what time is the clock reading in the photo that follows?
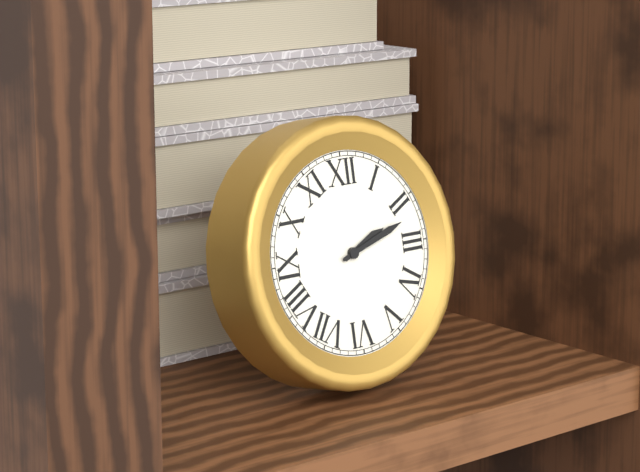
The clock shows 2:12
